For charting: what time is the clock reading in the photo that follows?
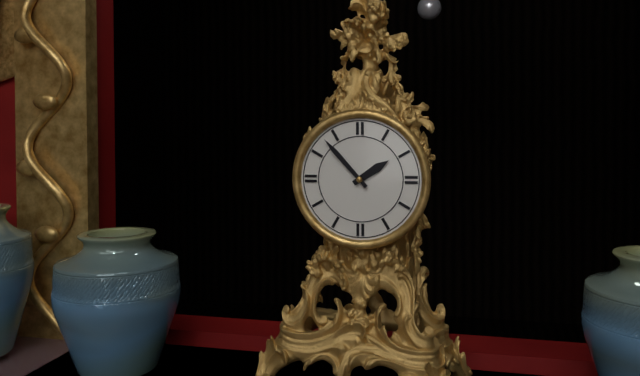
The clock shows 1:53
